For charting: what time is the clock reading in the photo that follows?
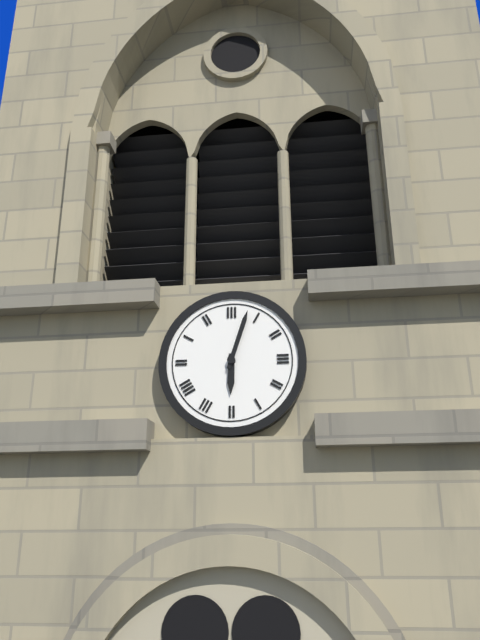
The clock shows 6:03
